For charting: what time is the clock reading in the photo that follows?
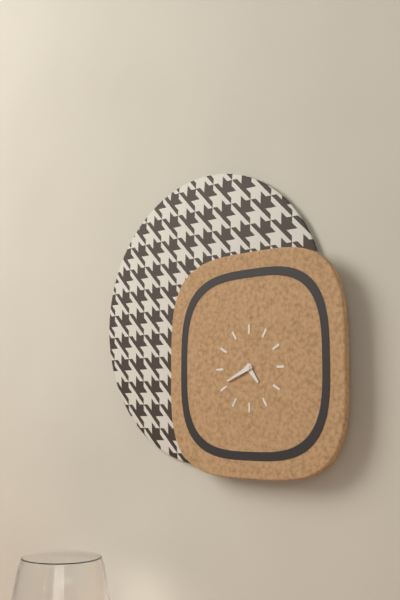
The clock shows 4:41
